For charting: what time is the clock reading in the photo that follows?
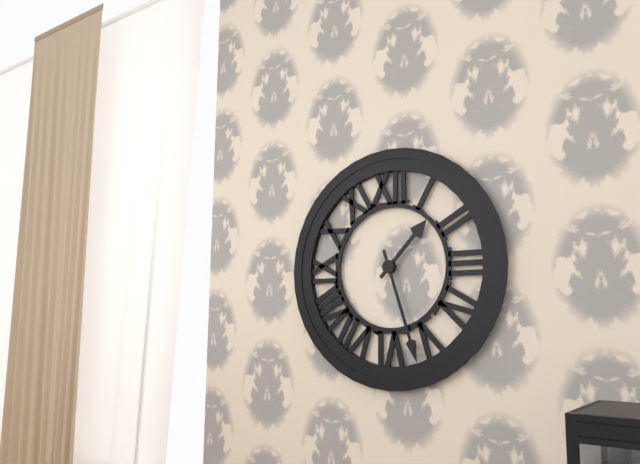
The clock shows 1:27
